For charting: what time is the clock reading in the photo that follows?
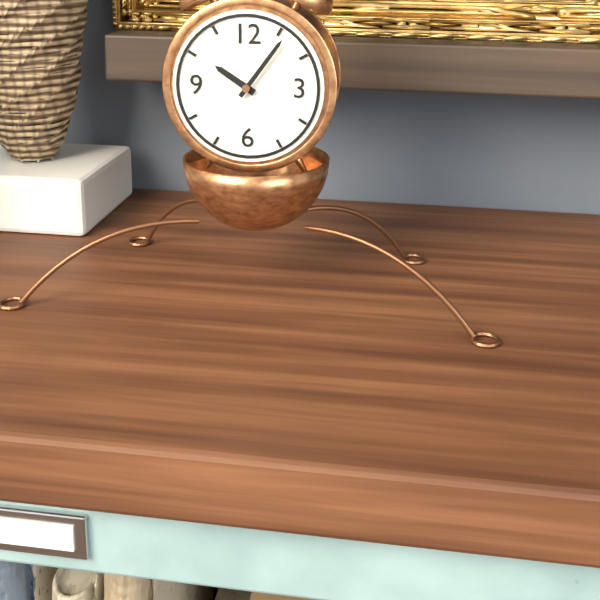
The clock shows 10:06
